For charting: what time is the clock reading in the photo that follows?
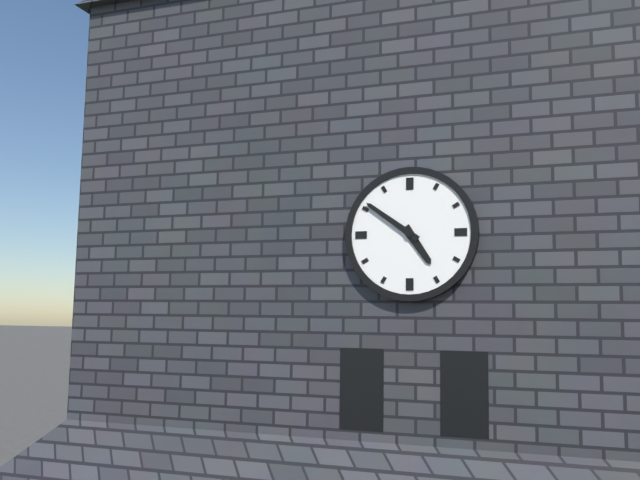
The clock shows 4:51
